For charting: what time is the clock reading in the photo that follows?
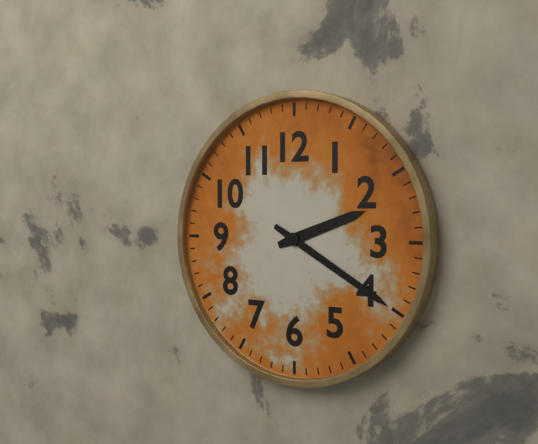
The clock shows 2:20
